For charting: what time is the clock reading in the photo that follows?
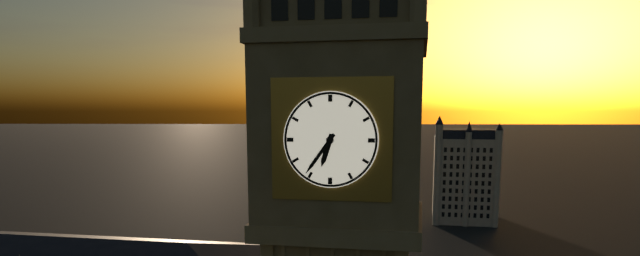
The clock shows 6:36
